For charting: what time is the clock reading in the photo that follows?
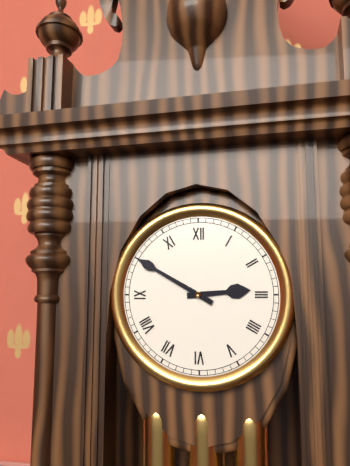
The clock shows 2:50
